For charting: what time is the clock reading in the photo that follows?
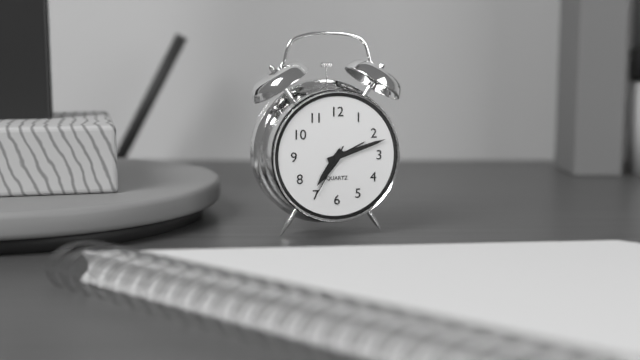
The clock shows 7:12:35
